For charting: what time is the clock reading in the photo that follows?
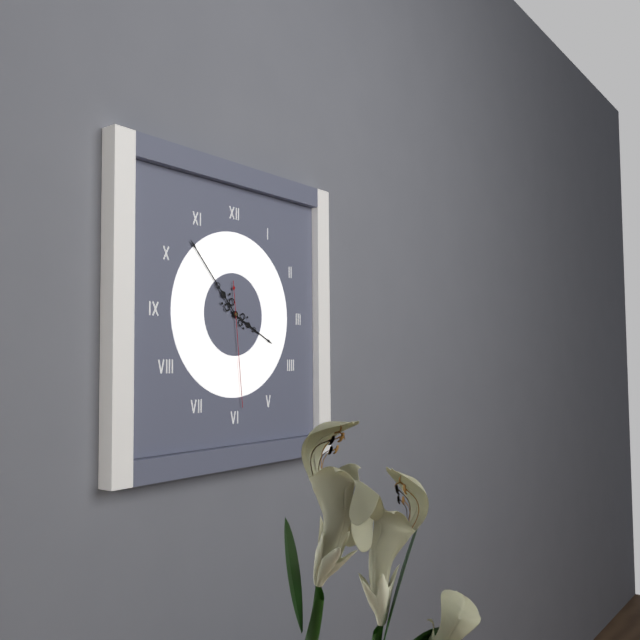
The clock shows 3:53:29
